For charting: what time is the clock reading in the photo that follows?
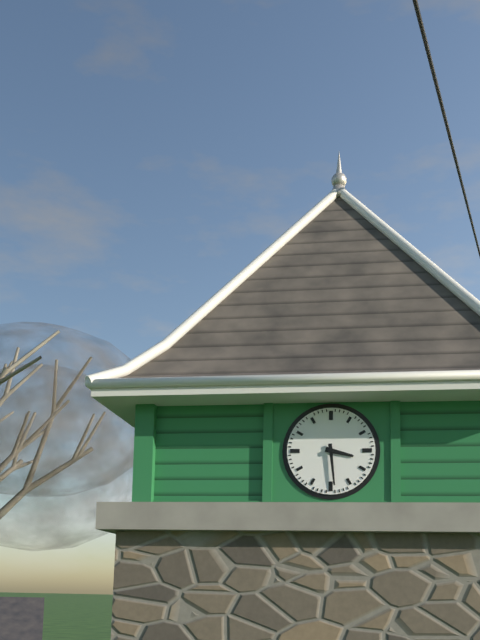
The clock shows 3:29
